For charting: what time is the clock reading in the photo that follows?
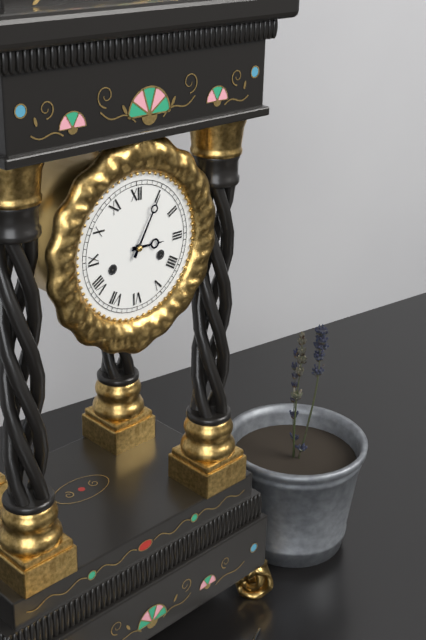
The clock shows 3:05
